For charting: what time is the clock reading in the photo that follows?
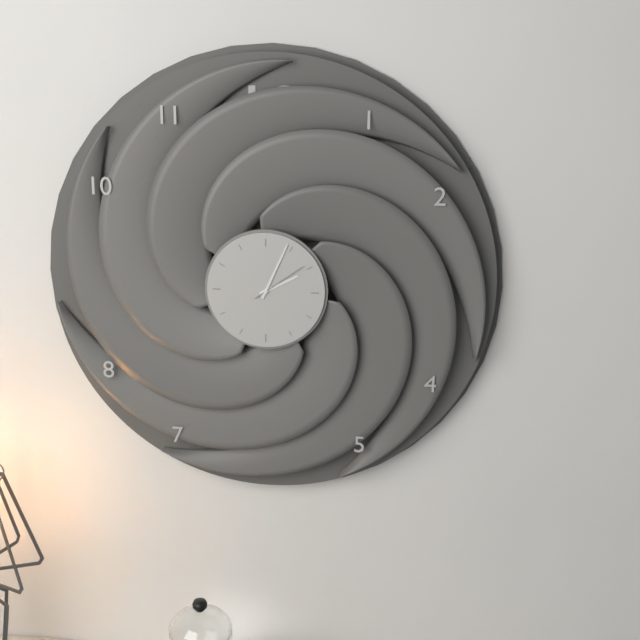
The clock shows 2:04:09
